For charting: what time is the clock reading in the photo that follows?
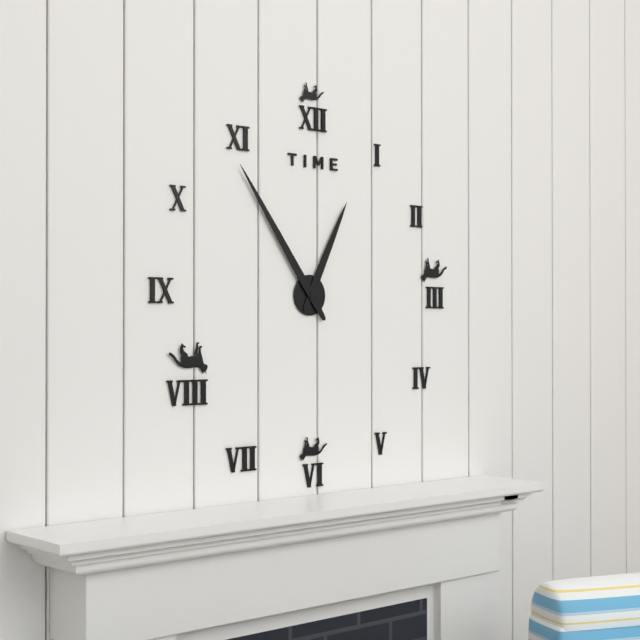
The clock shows 12:54
